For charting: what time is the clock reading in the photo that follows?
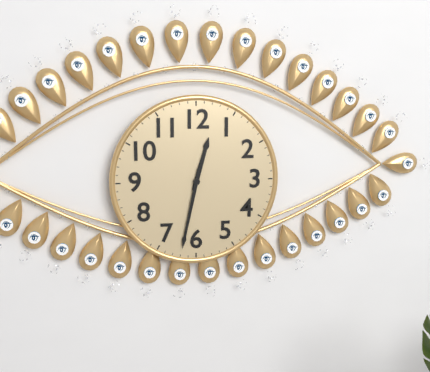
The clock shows 12:32
